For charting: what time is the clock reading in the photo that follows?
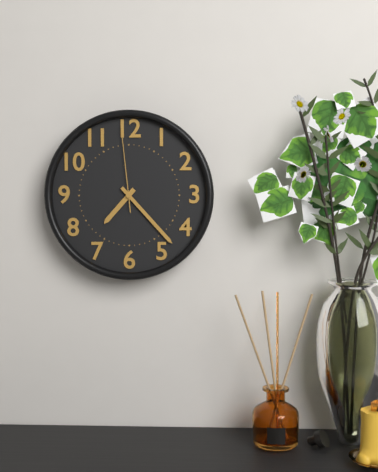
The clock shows 7:23:59
